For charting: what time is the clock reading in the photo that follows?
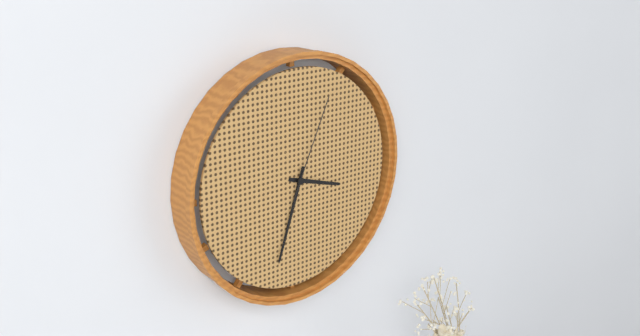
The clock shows 3:33:04
